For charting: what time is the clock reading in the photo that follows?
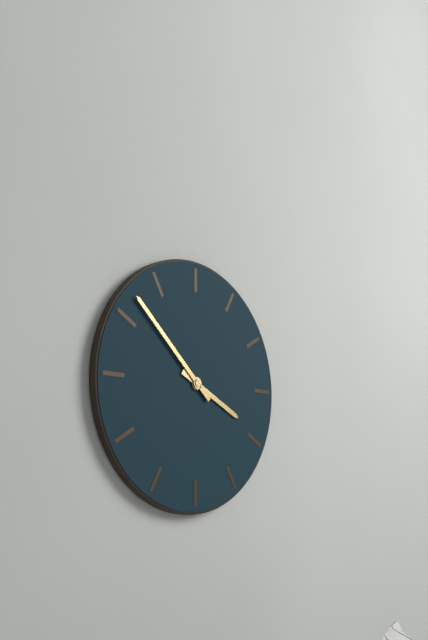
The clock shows 3:52
